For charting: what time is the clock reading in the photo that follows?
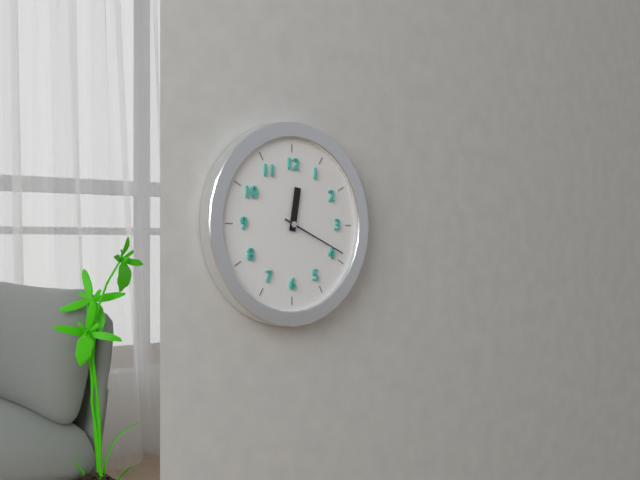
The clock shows 12:19
